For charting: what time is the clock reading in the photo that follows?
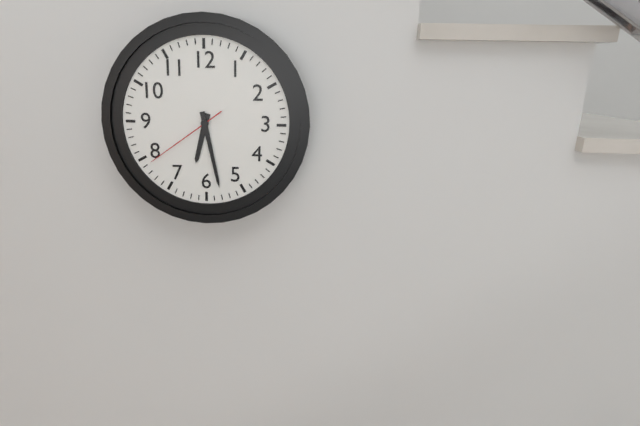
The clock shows 6:28:39
